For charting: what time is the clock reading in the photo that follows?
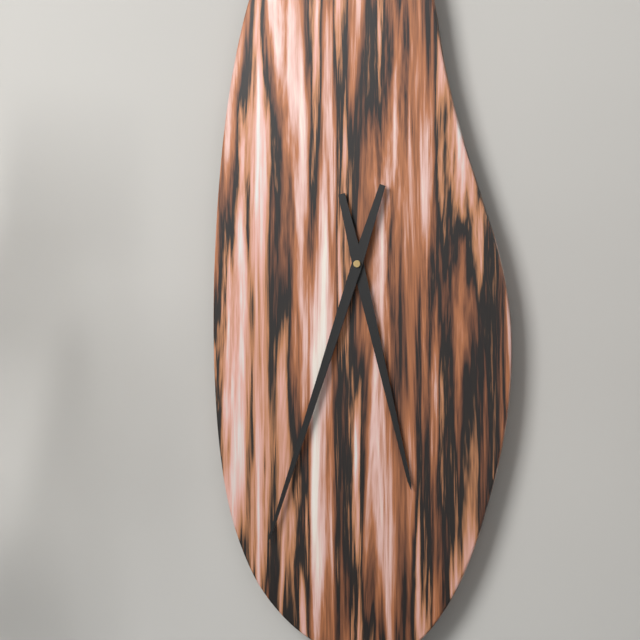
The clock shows 5:33
